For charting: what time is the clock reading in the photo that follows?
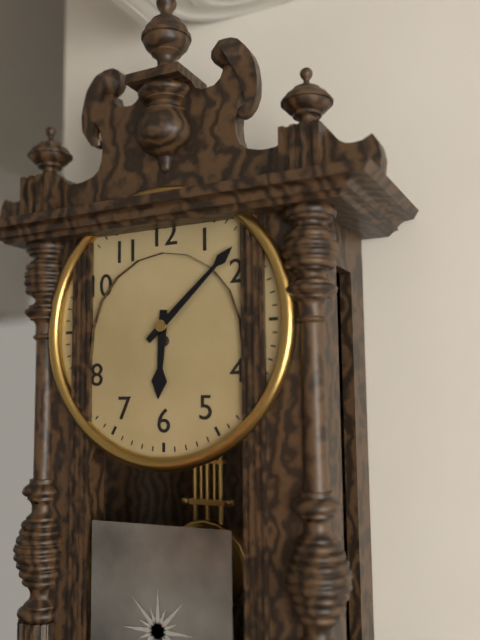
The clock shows 6:08
